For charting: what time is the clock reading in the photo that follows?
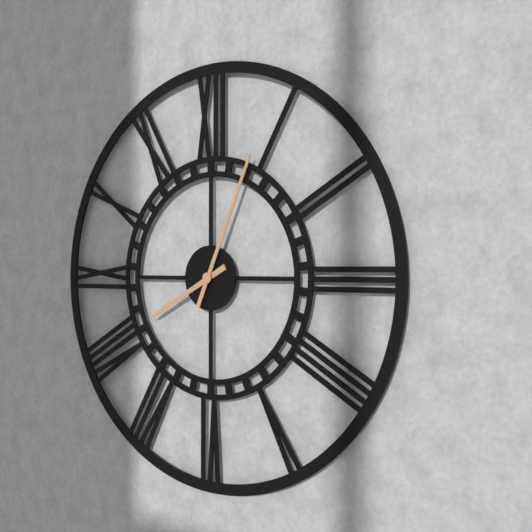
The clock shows 8:04
